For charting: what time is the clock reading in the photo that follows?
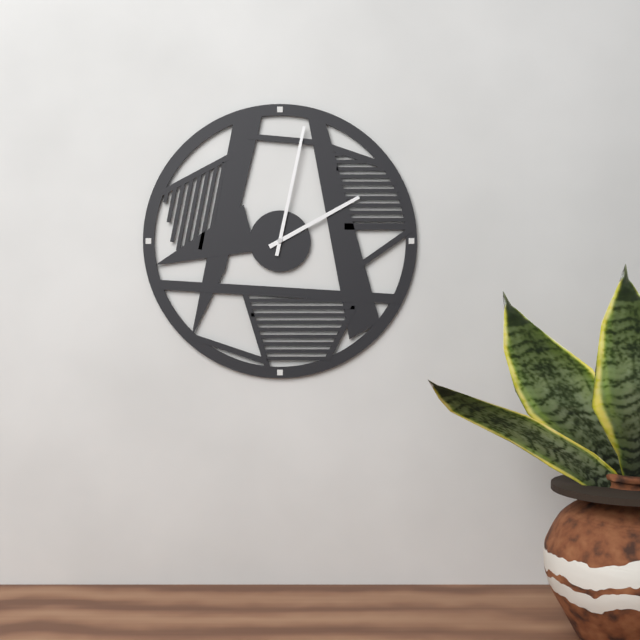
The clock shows 2:02
